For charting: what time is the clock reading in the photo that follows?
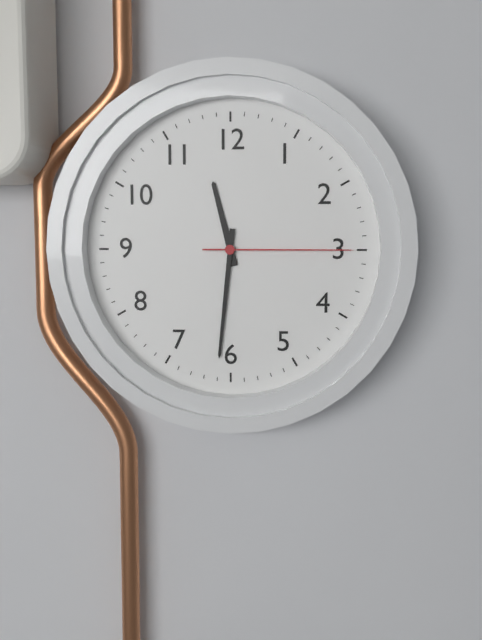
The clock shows 11:31:15
